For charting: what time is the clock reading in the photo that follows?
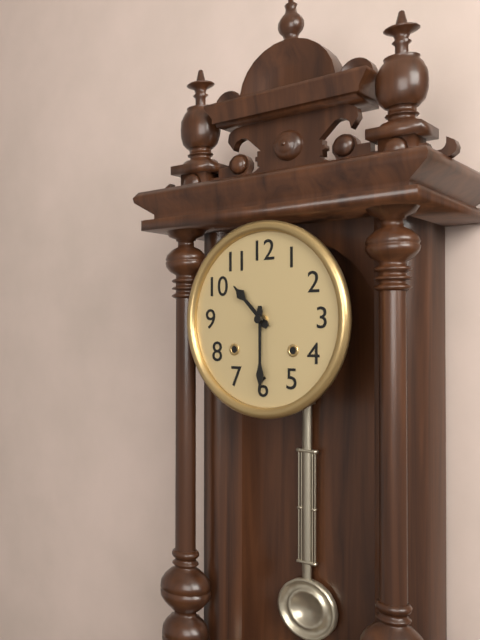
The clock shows 10:30
